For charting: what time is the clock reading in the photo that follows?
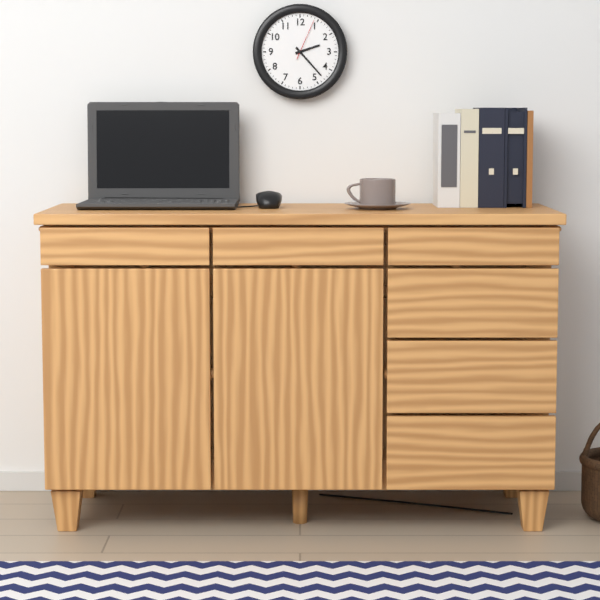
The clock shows 2:23
